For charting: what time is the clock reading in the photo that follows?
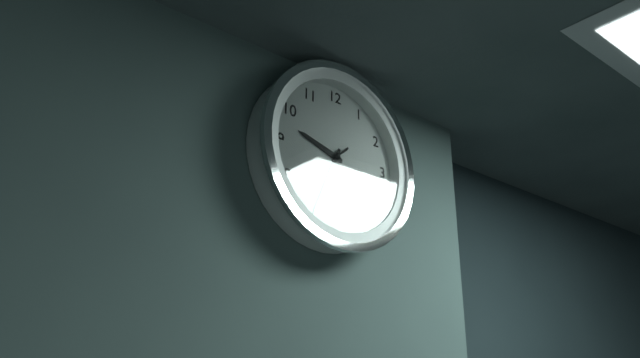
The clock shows 9:34:38
